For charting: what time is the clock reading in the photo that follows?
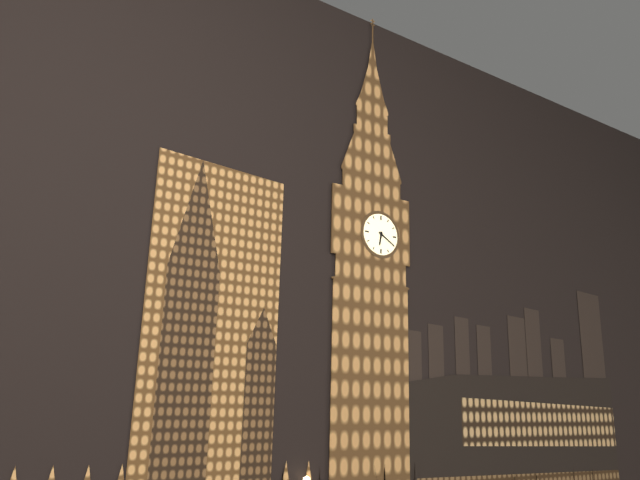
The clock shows 6:20
